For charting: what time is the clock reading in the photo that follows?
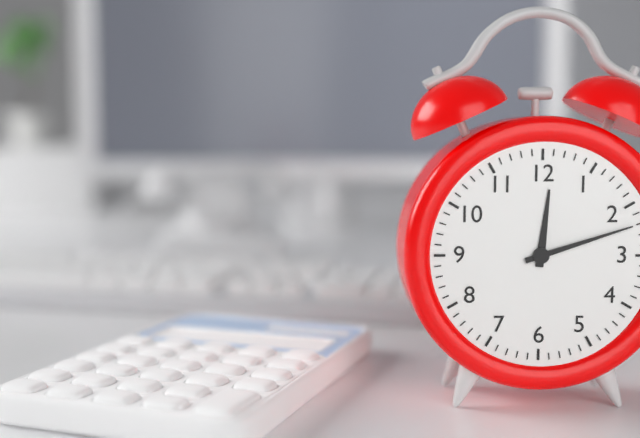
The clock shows 12:12
